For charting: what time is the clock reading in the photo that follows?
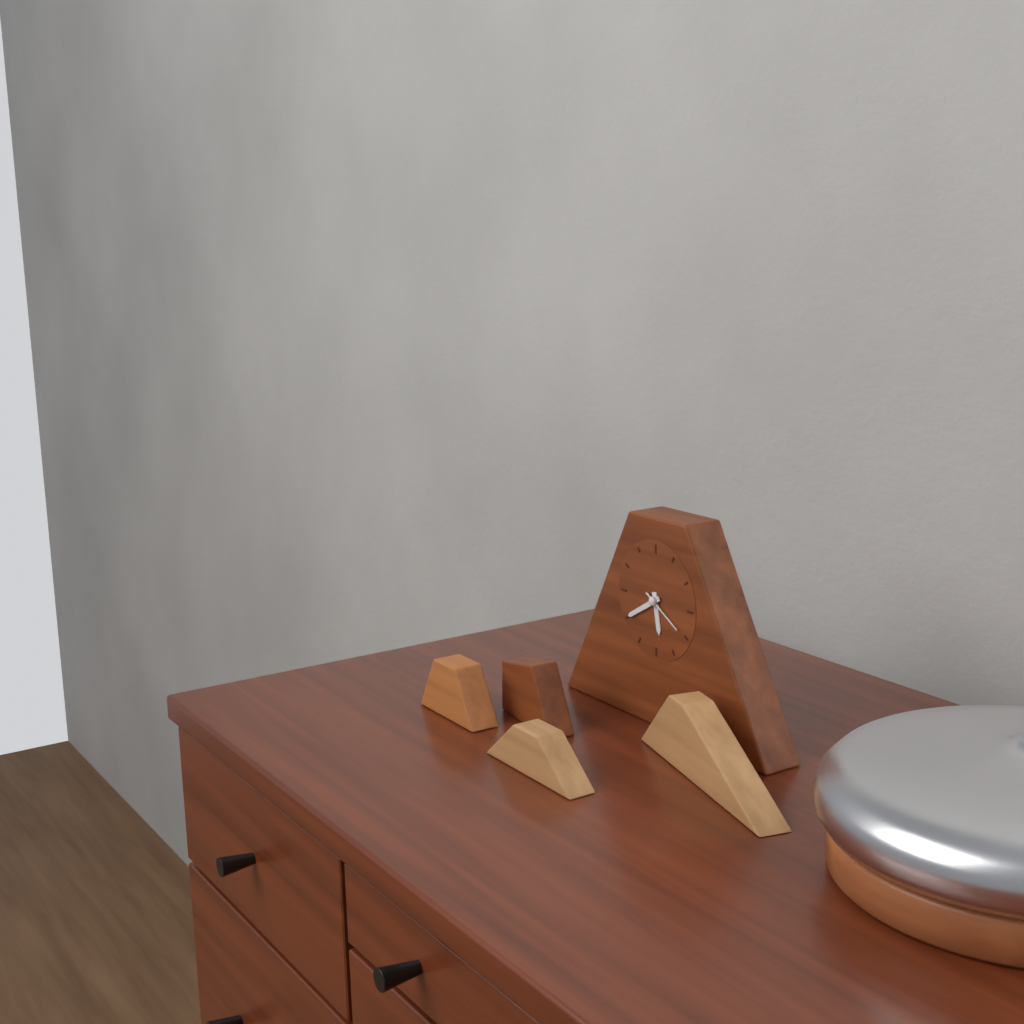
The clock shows 5:40
